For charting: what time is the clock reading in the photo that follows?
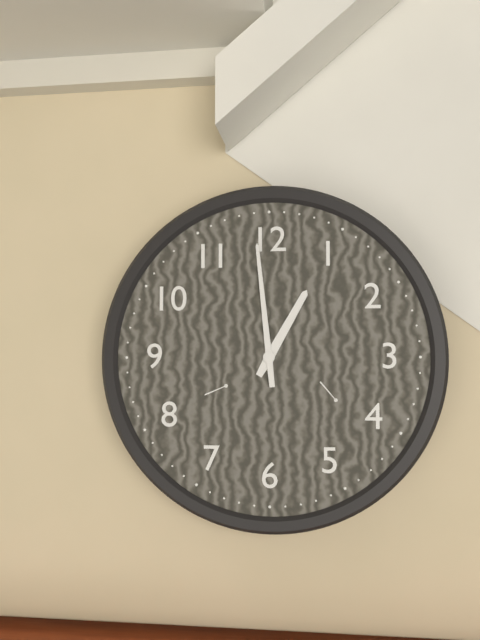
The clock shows 12:59
